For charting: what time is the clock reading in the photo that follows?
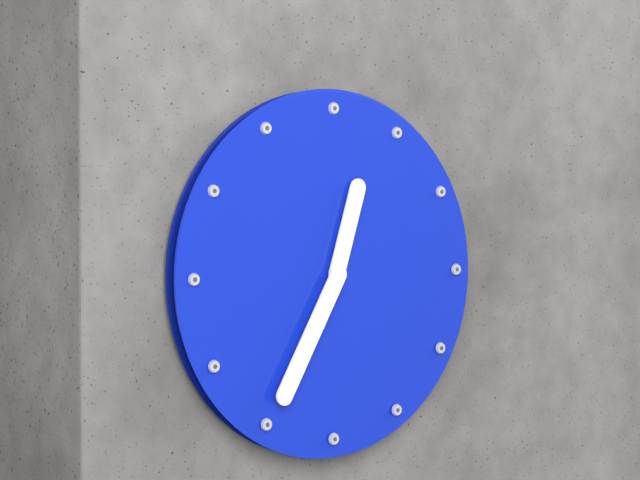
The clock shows 12:35
